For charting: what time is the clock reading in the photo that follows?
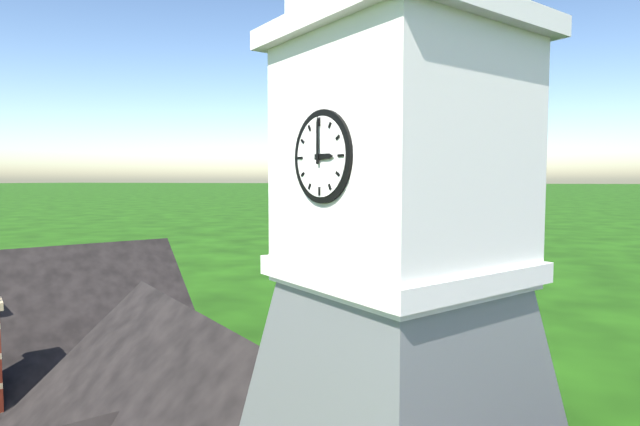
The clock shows 3:00
